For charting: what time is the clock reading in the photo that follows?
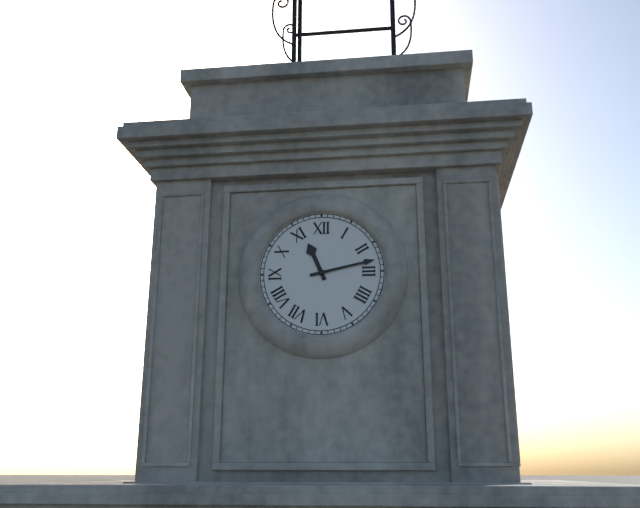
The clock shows 11:13
